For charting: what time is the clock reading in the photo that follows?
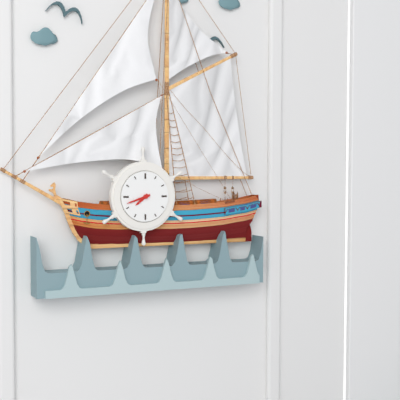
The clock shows 7:42
